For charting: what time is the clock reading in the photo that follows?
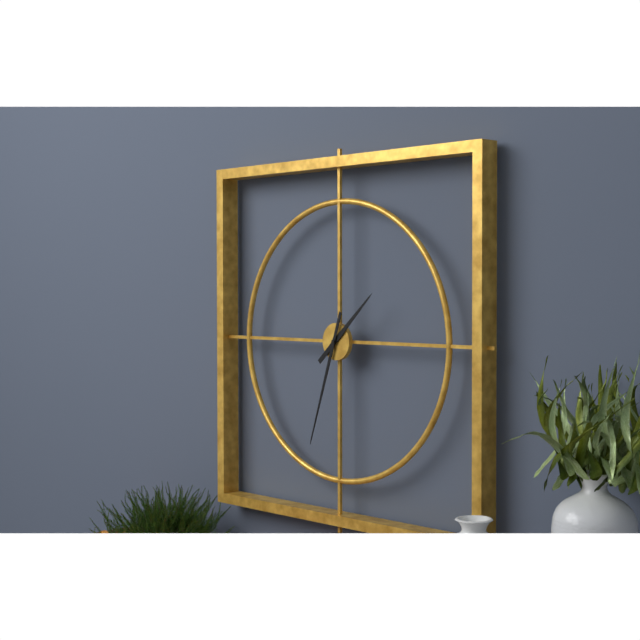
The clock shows 1:33
